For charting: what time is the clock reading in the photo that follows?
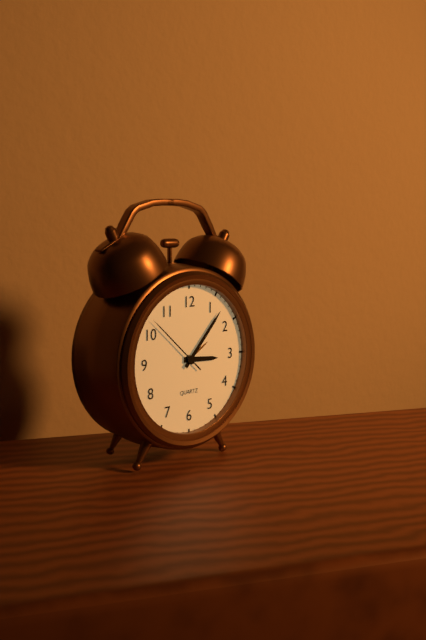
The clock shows 3:07:52
